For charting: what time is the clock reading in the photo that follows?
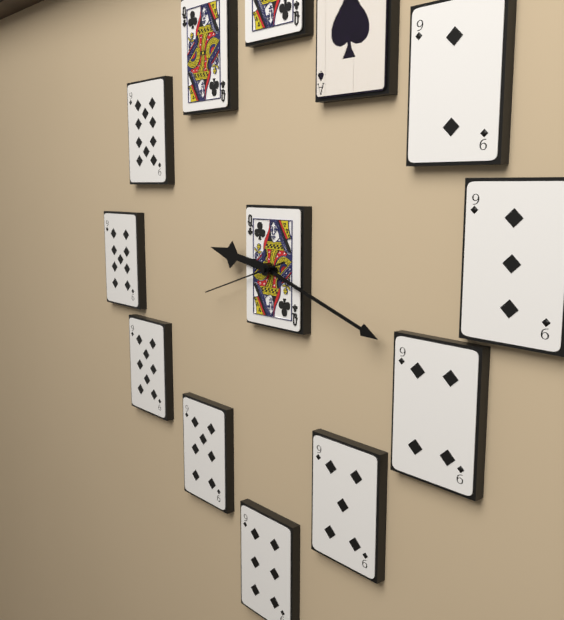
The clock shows 9:18:42
